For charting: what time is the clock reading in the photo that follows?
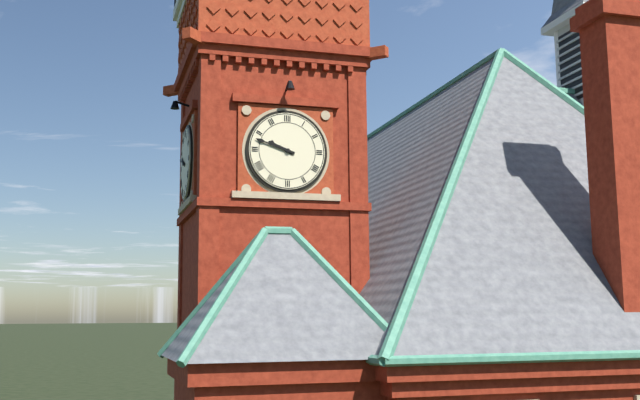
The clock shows 9:48
